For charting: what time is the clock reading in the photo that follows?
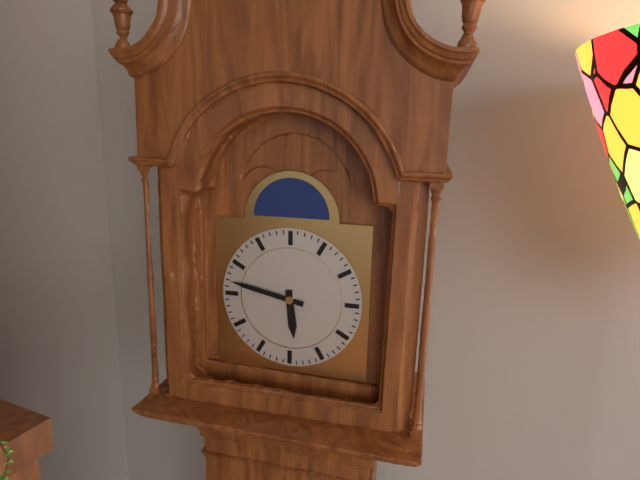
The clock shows 5:47
